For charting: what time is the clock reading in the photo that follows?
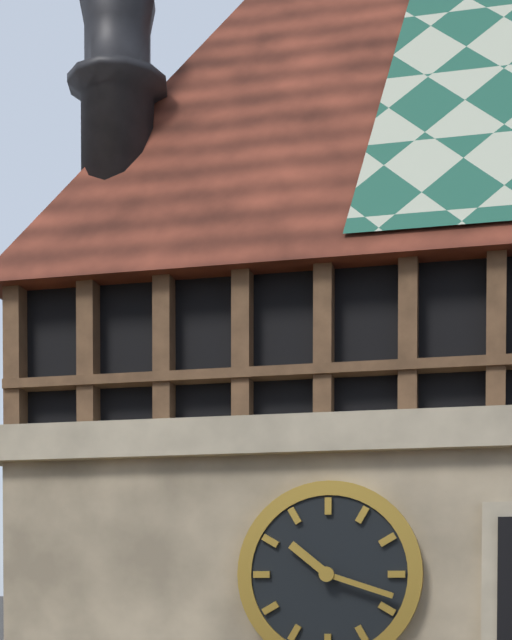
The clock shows 10:18
